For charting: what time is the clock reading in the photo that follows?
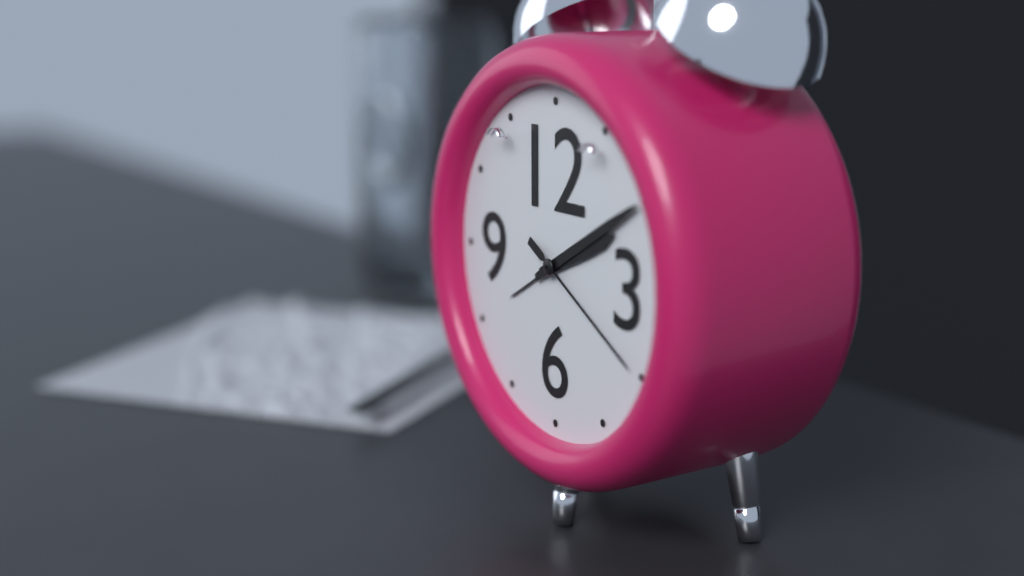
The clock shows 2:10:20
